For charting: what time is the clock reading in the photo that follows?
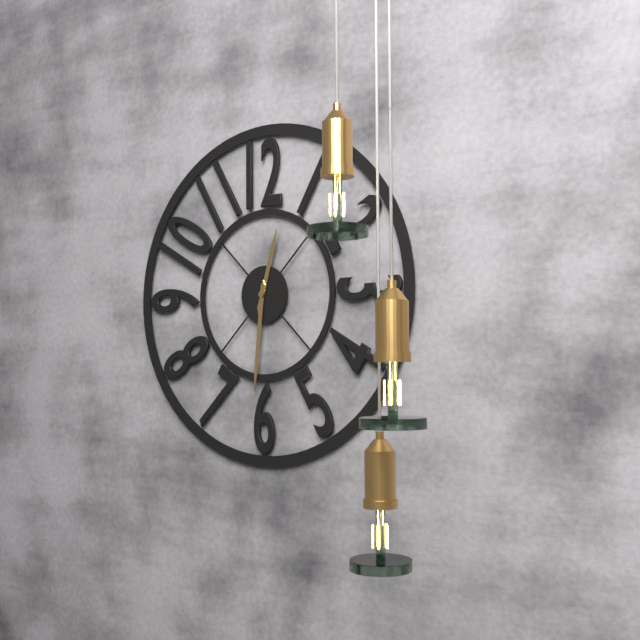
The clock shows 12:31
